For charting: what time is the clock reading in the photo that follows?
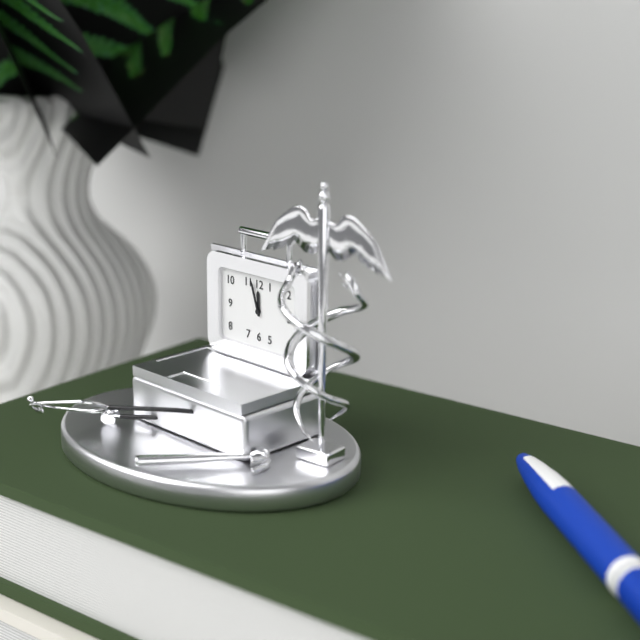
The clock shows 11:57
